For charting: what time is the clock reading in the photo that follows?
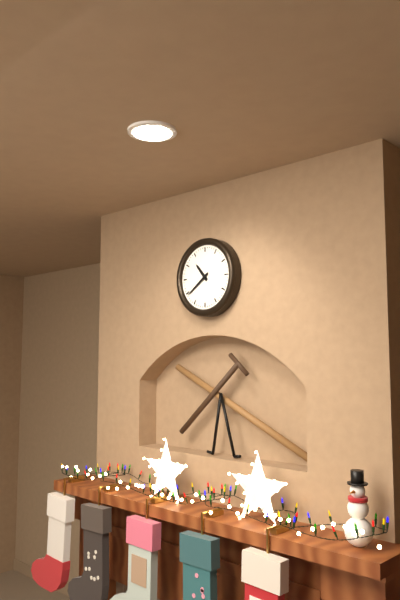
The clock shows 10:39
